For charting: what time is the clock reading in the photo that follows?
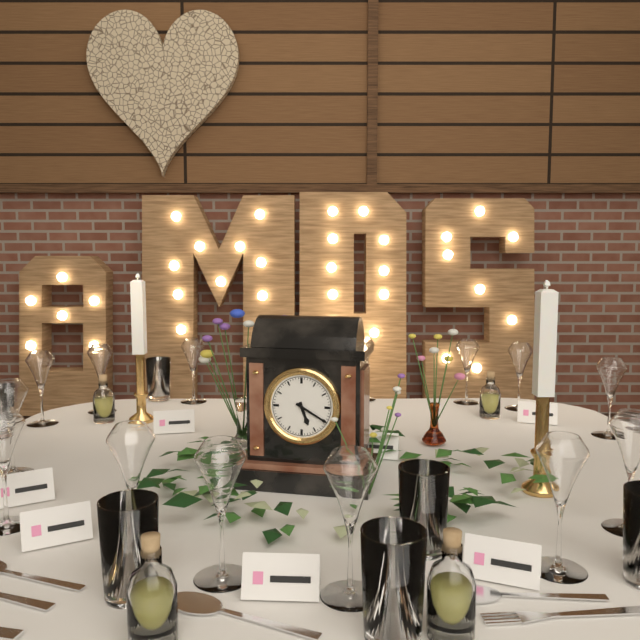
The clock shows 5:20
